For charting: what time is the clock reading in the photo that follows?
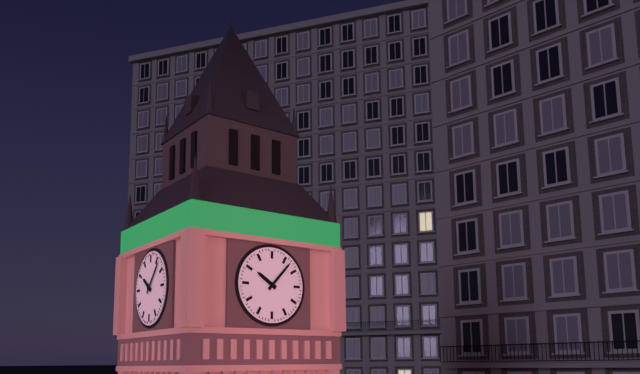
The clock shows 10:07
